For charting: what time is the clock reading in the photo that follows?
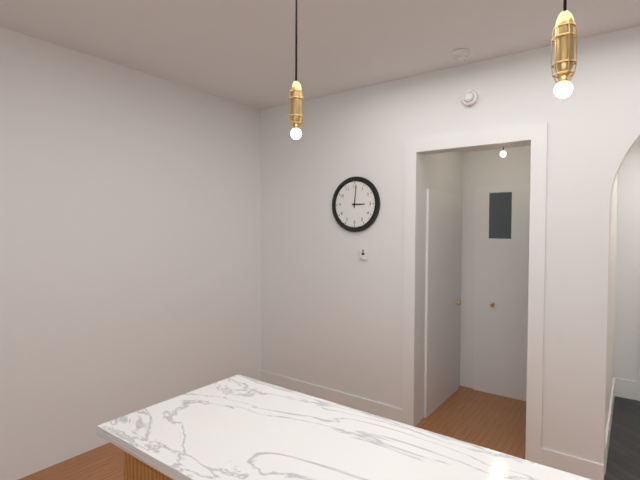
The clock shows 3:01
